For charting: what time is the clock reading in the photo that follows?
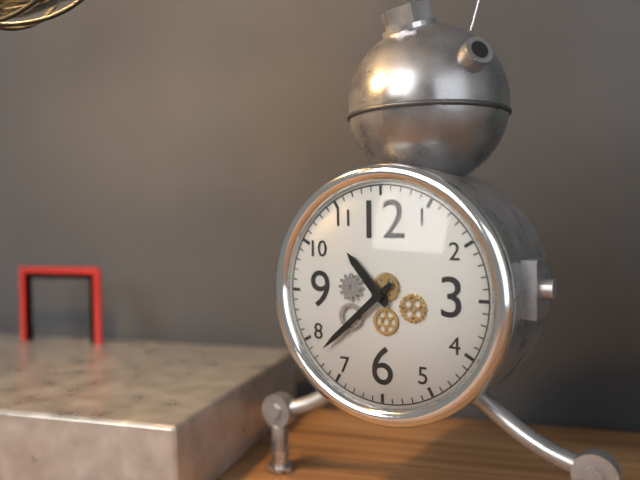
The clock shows 10:38
